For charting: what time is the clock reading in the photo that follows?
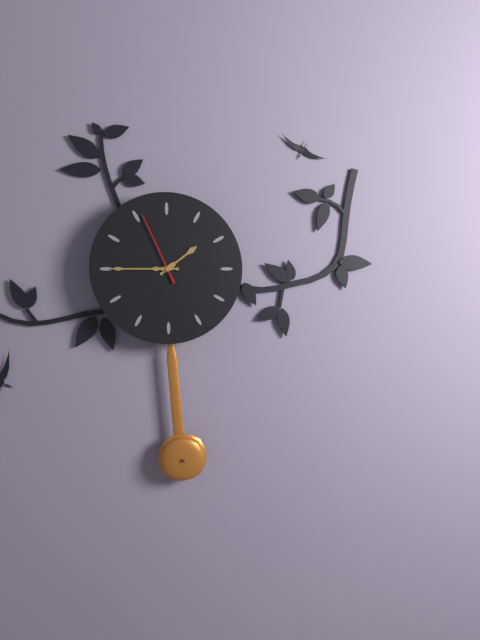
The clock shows 1:45:56
